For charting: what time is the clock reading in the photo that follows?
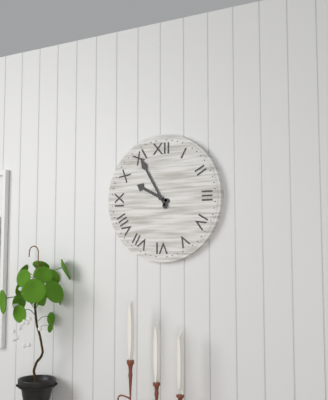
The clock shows 9:55
